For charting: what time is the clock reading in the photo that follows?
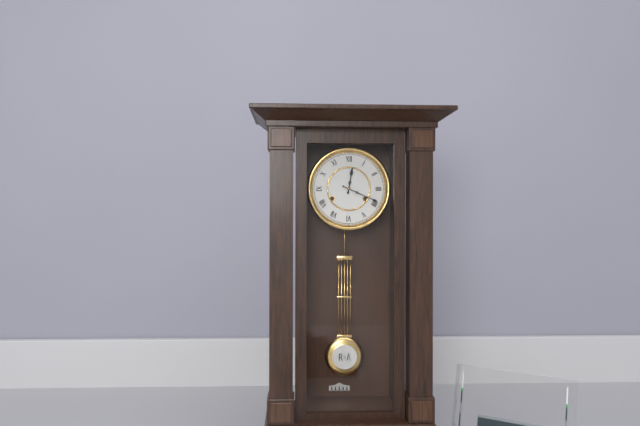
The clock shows 12:19
